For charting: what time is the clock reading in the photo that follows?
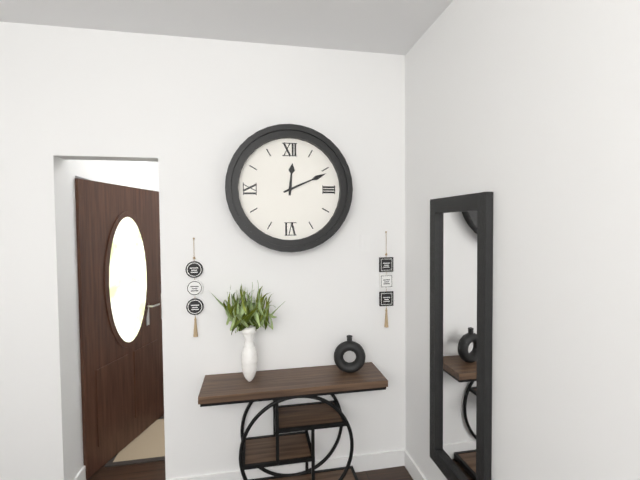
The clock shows 12:11
